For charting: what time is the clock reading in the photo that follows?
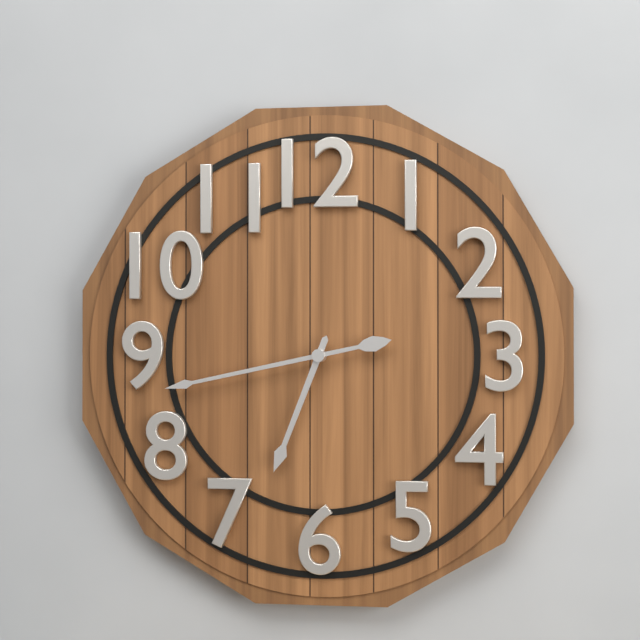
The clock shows 6:43
